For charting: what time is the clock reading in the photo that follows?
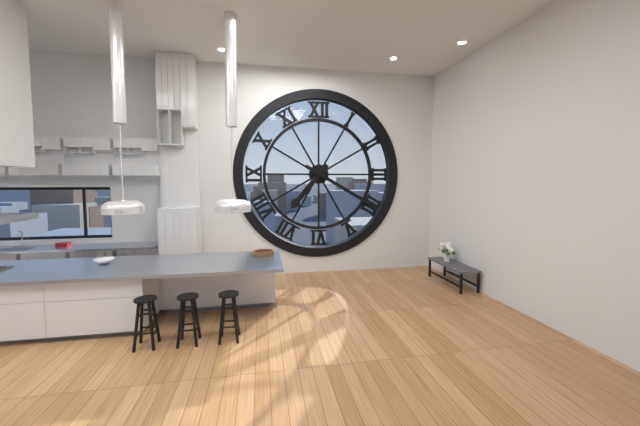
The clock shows 7:20
